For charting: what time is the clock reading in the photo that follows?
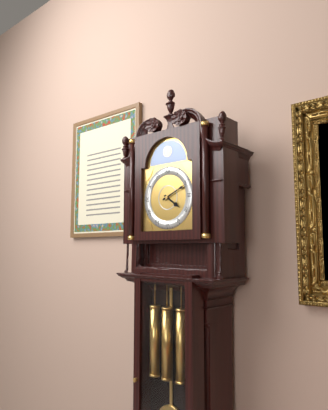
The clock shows 4:11
